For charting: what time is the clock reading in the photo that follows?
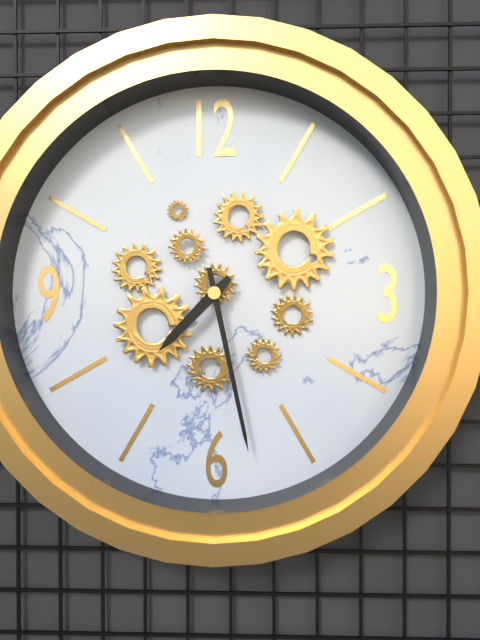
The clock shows 7:28
